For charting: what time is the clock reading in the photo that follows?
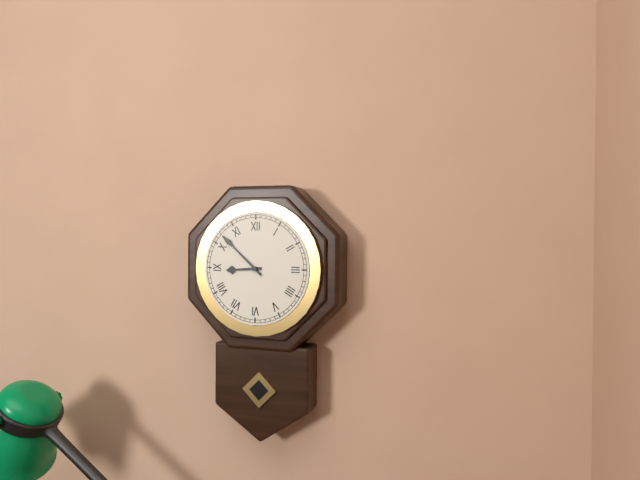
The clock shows 8:52
